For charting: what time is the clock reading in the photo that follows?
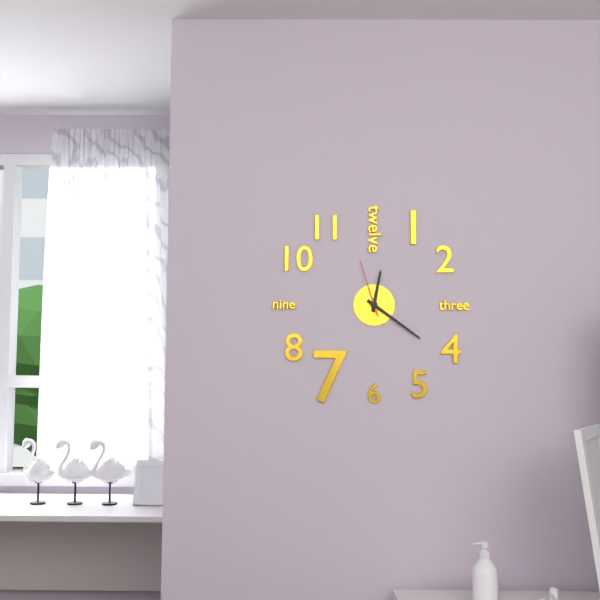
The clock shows 12:21:57
